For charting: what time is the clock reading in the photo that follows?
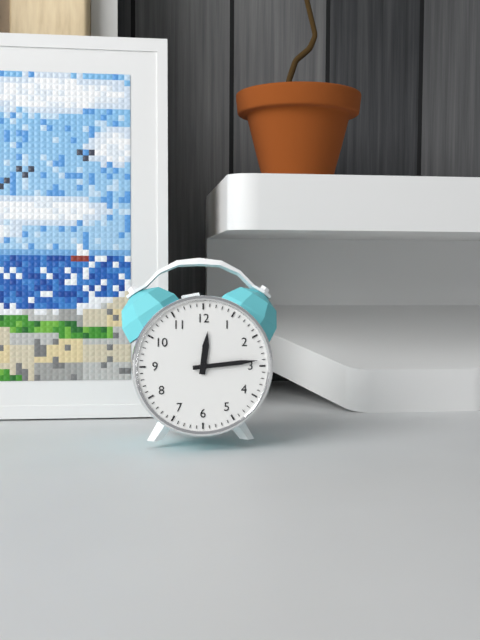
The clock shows 12:14
